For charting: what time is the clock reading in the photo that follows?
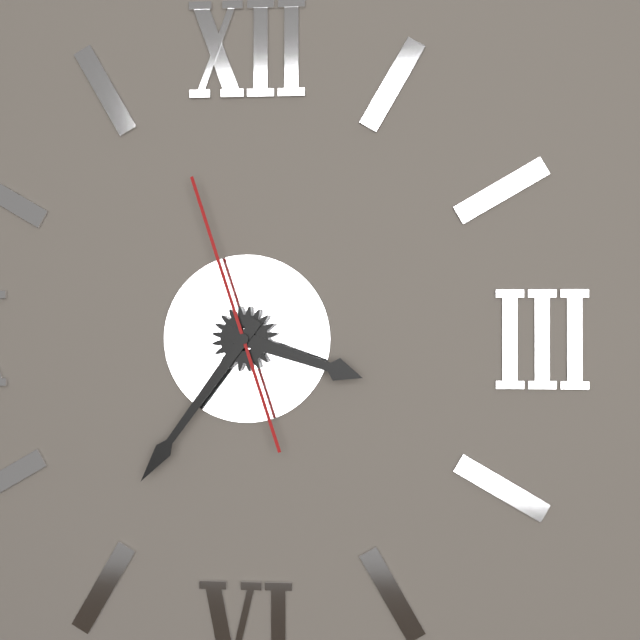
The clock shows 3:36:57
